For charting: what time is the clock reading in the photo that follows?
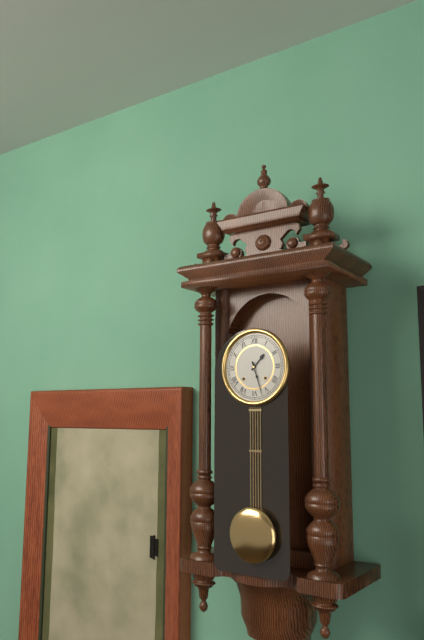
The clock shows 1:27
